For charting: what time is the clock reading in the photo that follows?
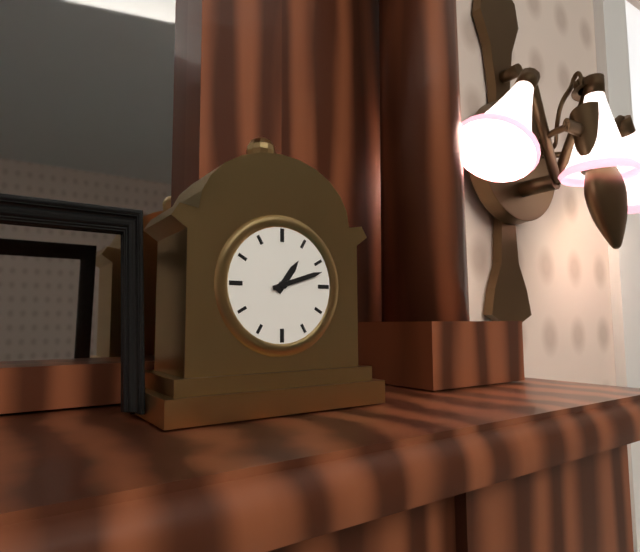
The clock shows 1:12
